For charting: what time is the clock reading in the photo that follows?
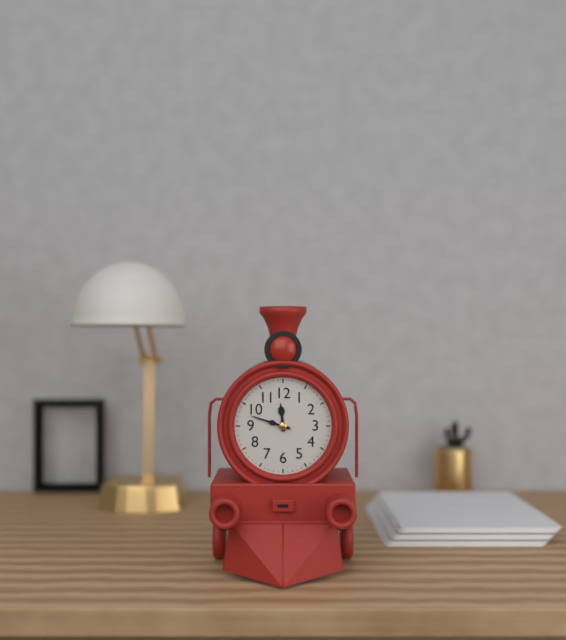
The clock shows 11:48
